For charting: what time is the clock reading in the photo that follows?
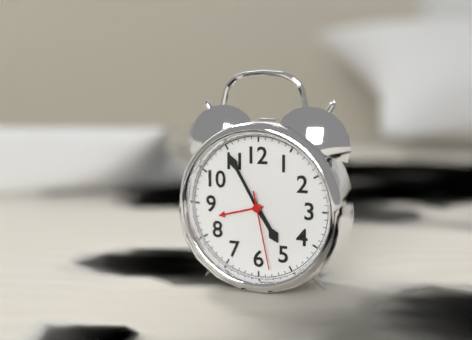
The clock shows 4:55:28
